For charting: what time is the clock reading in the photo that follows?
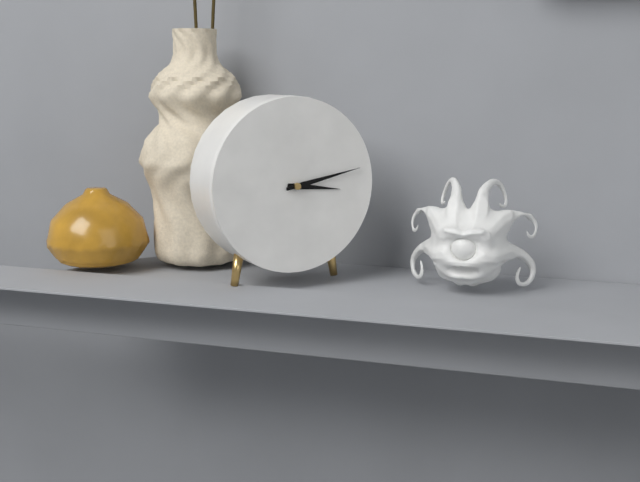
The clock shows 3:13
